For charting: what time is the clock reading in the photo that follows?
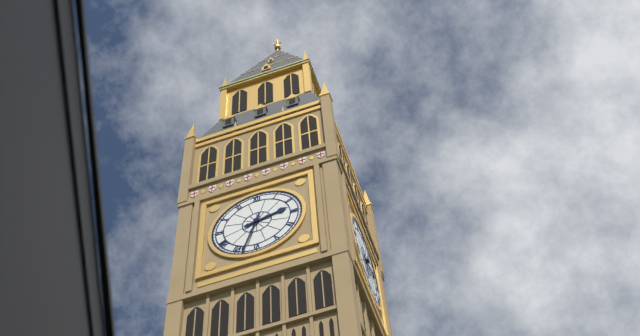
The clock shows 2:33
